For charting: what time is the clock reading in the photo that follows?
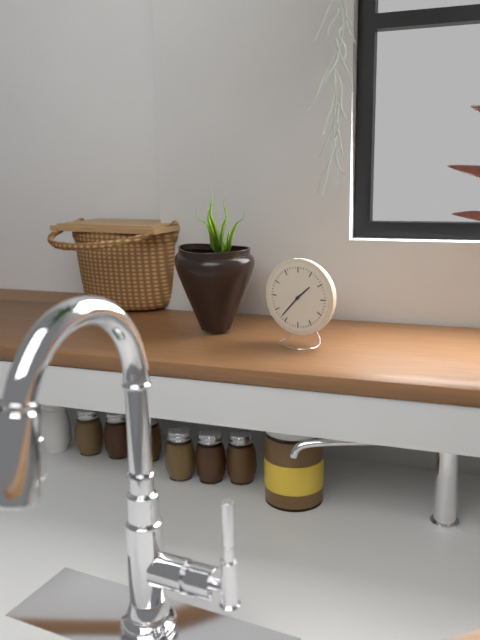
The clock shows 1:37
